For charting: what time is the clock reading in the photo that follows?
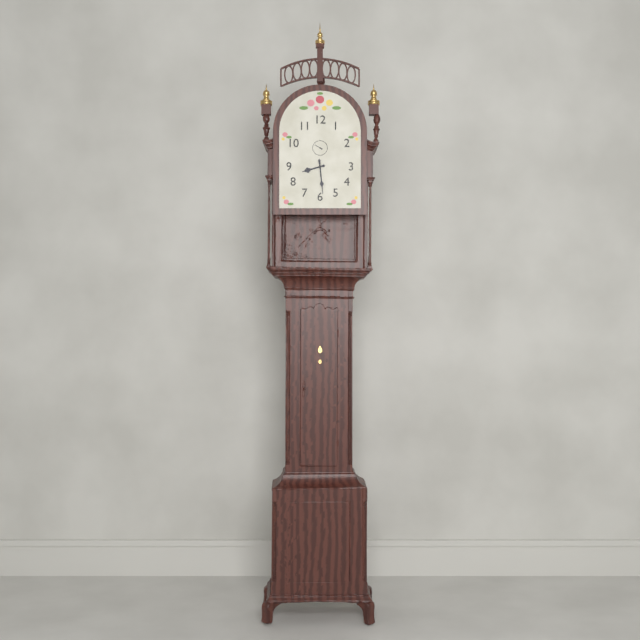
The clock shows 8:29
